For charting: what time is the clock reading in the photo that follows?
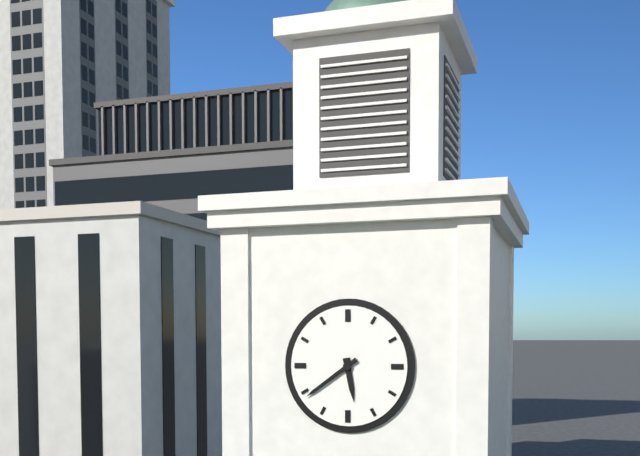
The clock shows 5:39
